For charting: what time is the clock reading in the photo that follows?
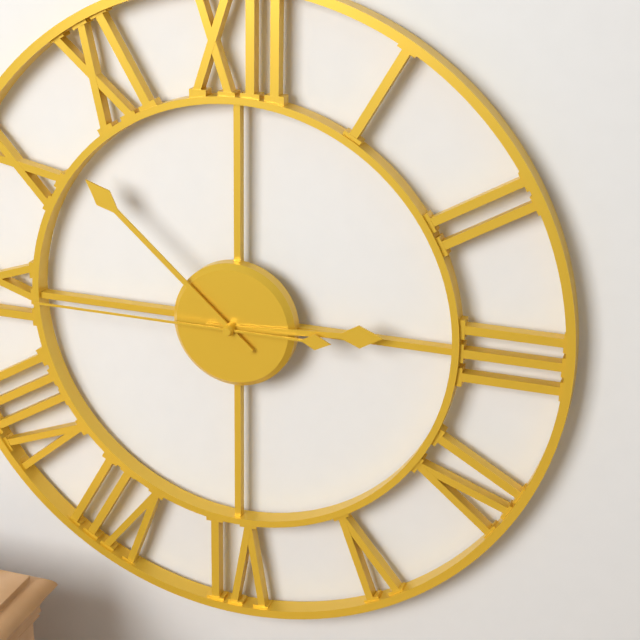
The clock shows 2:52:45
